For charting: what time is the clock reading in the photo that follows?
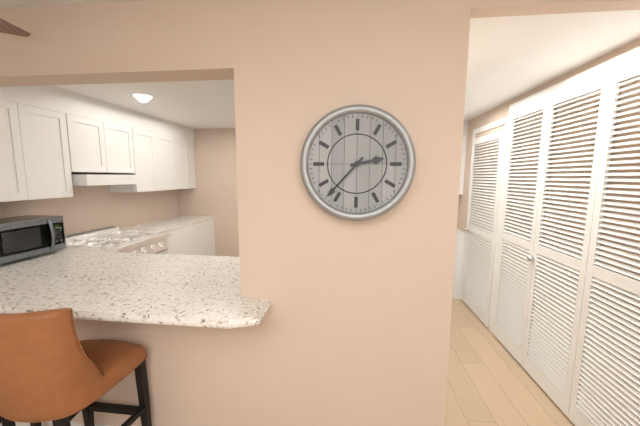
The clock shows 2:37
